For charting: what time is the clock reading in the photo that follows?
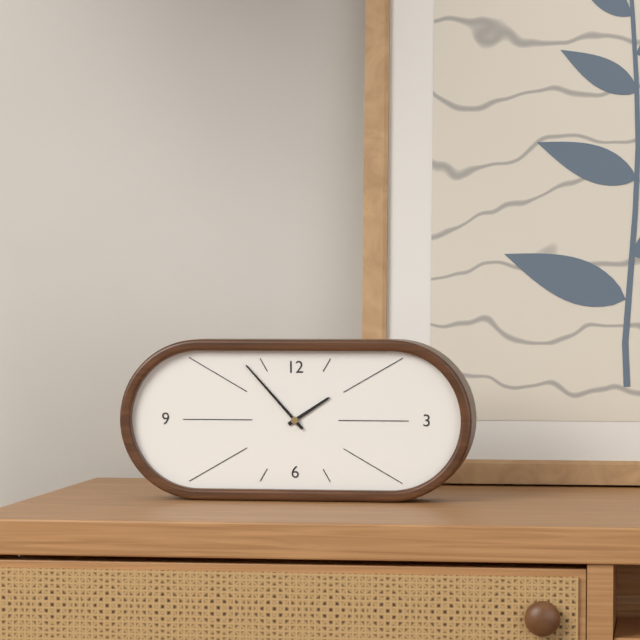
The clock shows 1:53
